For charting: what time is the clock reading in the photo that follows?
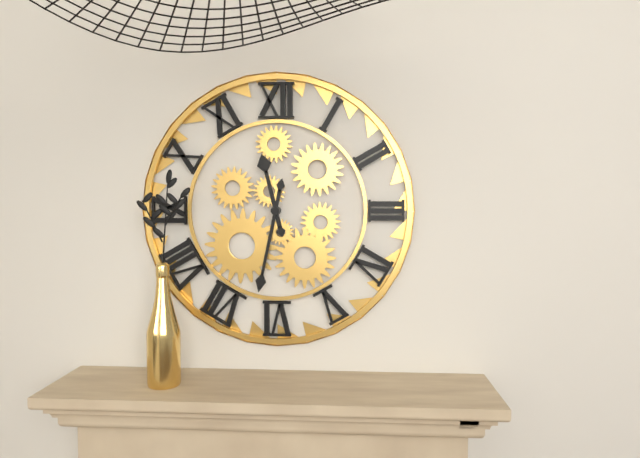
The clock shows 11:32
